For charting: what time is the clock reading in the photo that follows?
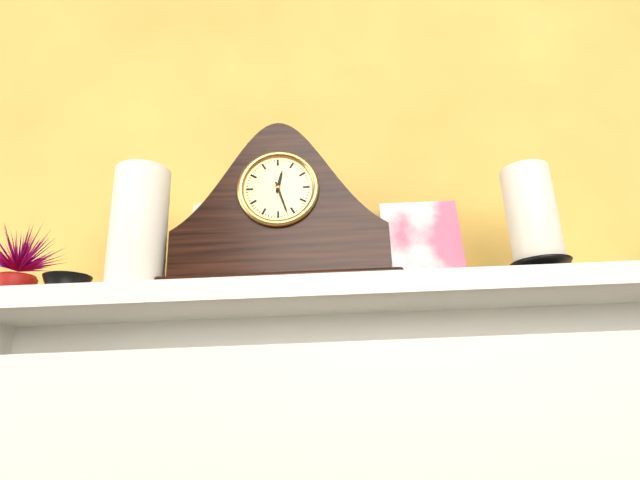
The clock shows 12:27
